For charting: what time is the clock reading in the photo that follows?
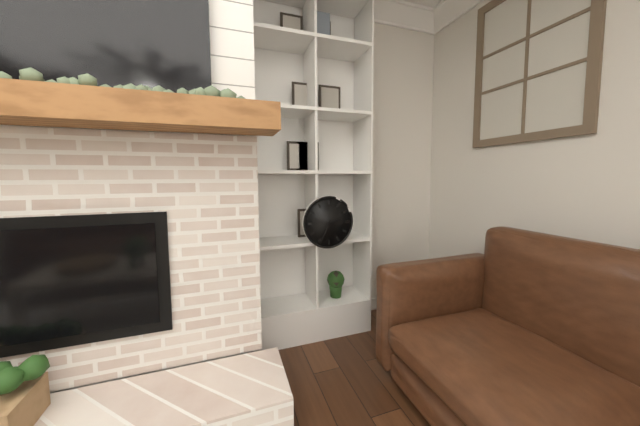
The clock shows 2:34
